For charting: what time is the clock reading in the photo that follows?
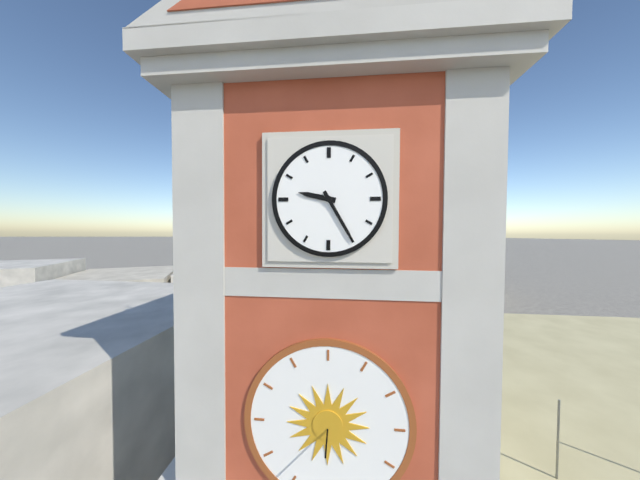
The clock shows 9:25
